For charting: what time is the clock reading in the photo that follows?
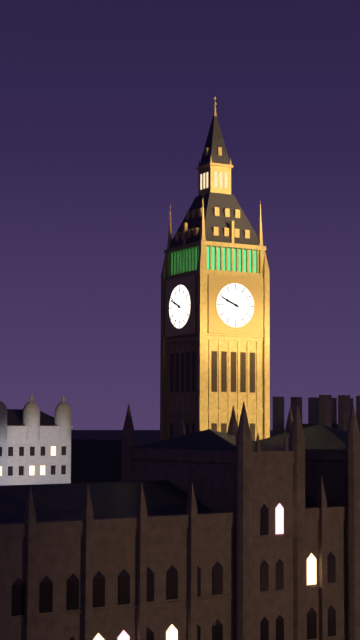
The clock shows 9:49
